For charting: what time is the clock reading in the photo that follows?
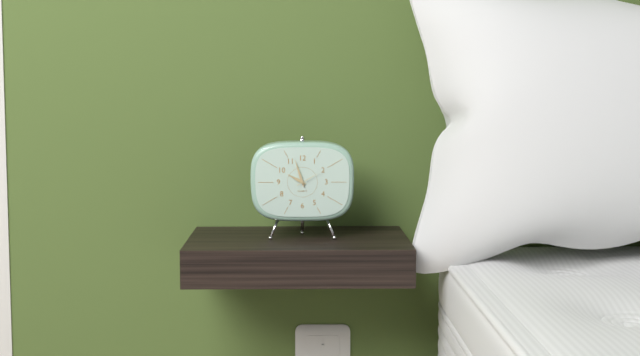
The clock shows 9:57
